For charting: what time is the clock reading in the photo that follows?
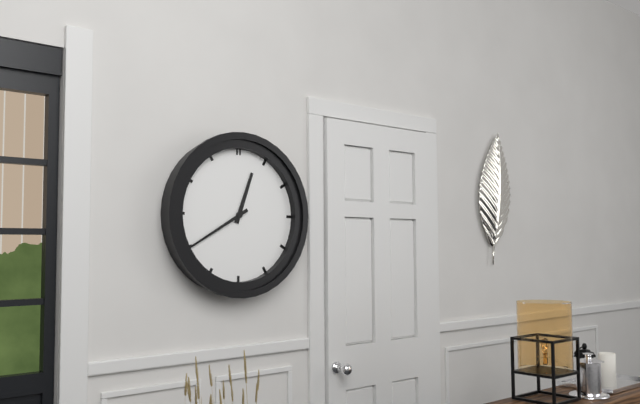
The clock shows 12:40
